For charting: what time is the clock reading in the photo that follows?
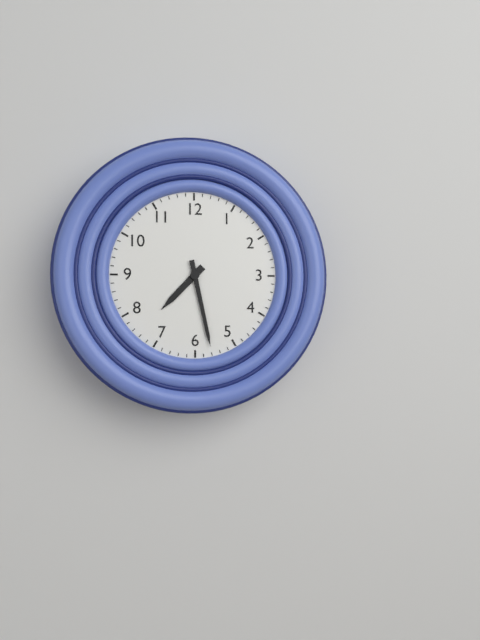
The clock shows 7:28
